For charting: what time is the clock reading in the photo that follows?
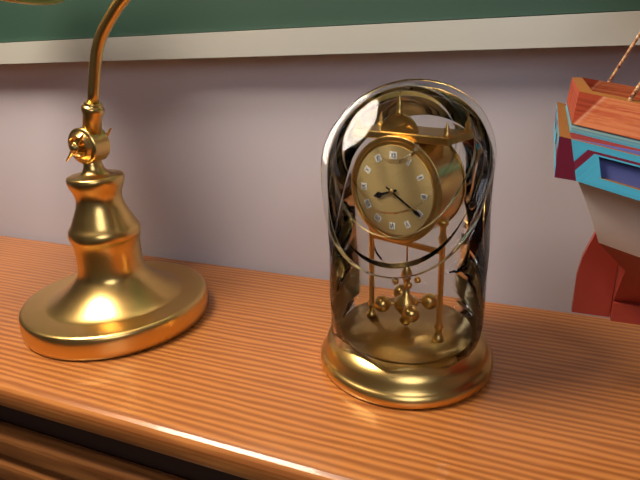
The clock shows 8:20
